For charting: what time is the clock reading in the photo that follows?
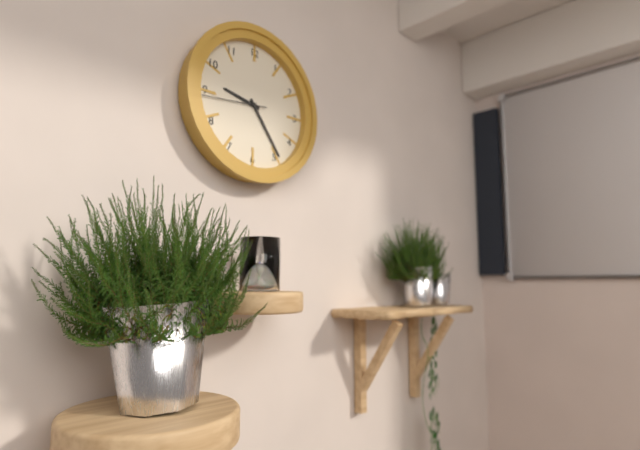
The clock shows 9:24:44
